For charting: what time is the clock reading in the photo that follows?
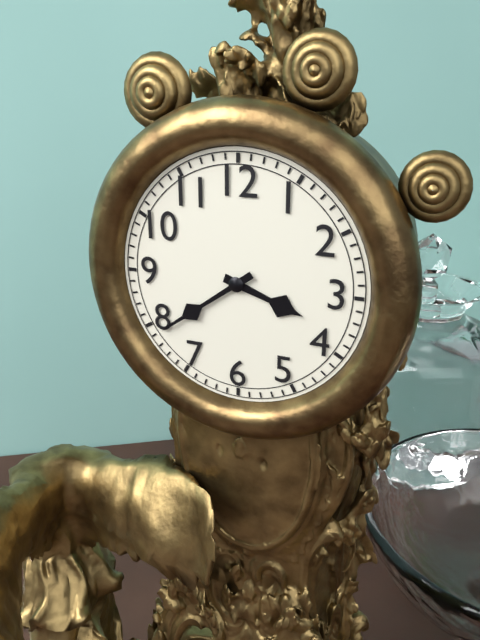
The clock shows 3:39
